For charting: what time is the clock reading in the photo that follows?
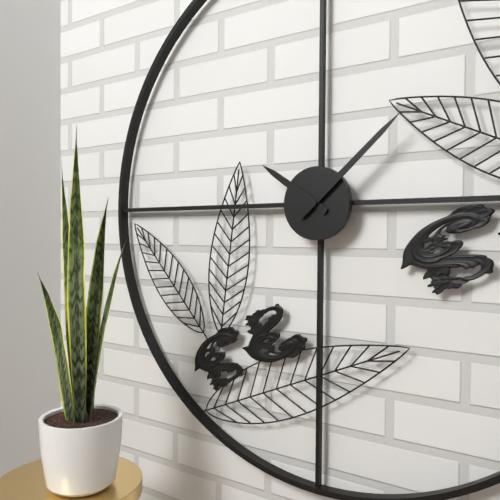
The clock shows 10:08
